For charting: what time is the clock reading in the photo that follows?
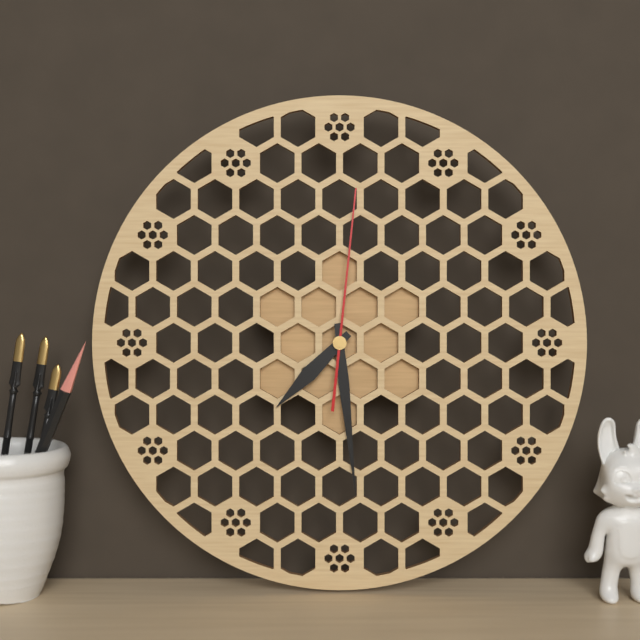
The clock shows 7:29:01
